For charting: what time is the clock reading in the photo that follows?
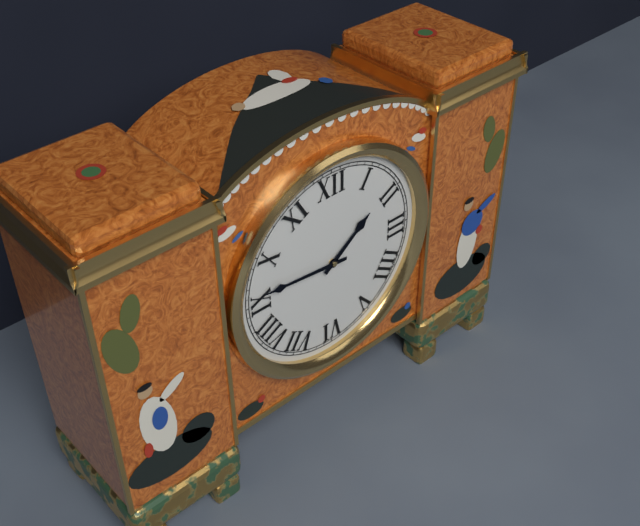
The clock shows 1:46
